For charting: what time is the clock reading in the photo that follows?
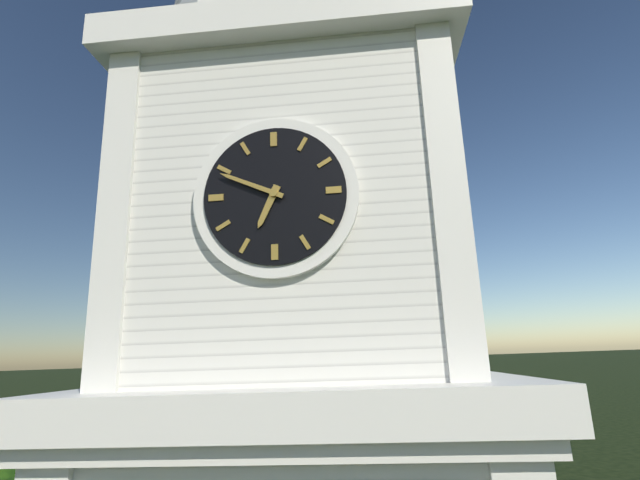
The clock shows 6:49
